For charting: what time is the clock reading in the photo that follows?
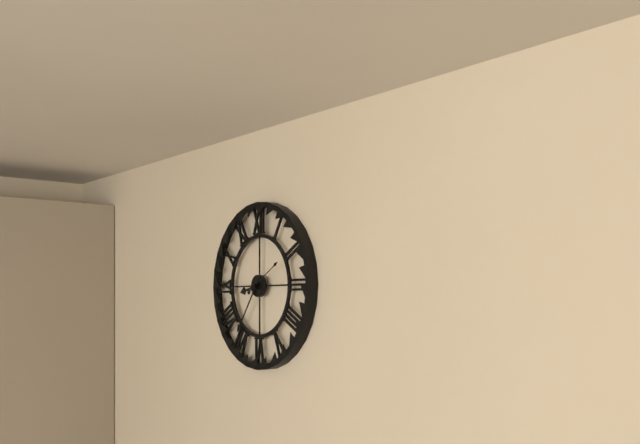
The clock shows 8:36
